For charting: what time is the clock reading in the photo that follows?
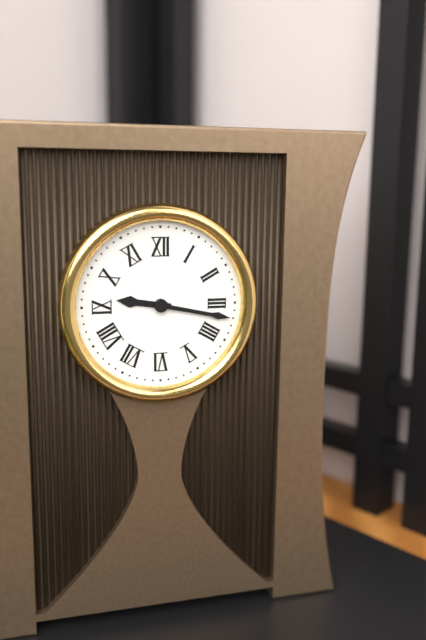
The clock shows 9:17
